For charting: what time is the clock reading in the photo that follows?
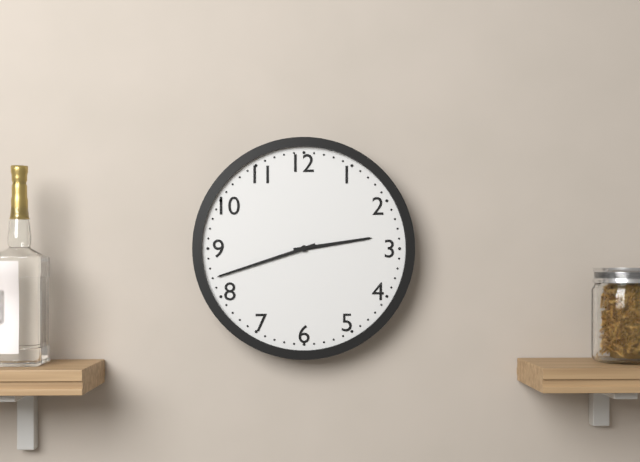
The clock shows 2:42
